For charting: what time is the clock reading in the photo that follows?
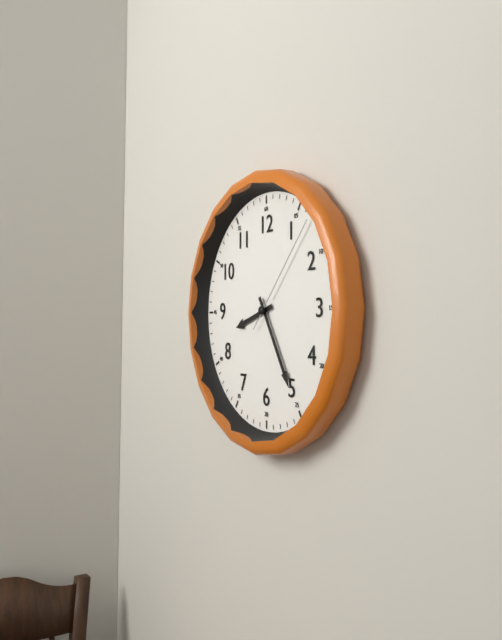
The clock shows 8:25:07
